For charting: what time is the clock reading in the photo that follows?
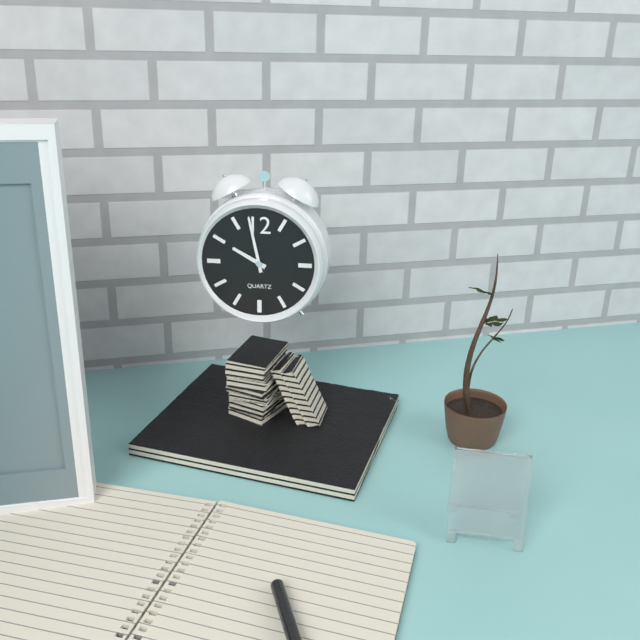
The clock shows 9:58
